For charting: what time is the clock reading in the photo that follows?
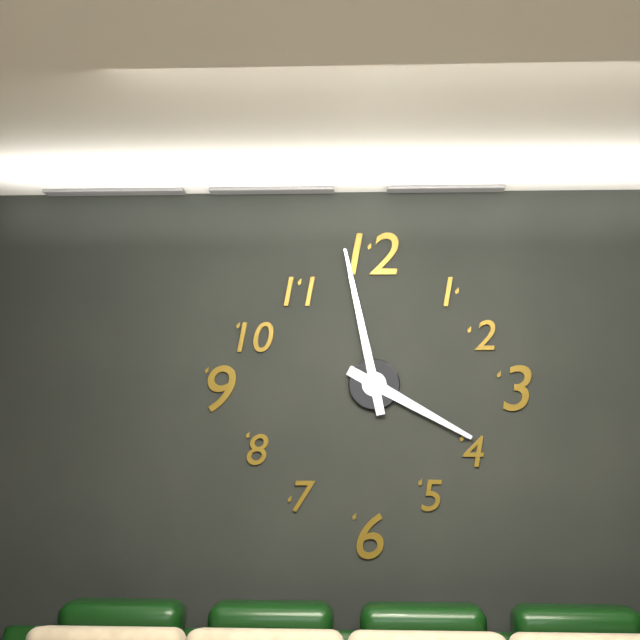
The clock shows 3:58
